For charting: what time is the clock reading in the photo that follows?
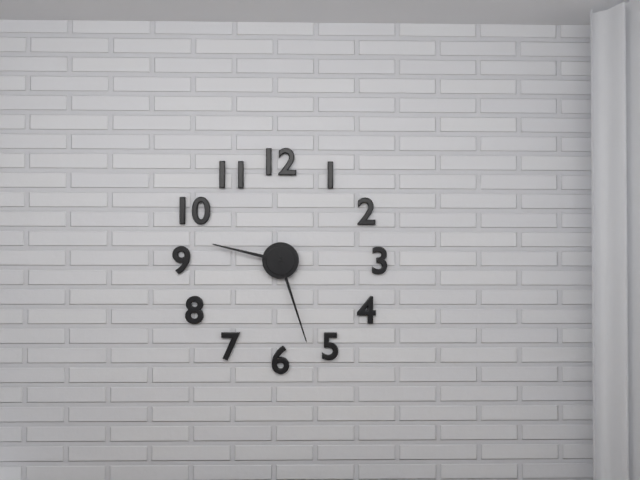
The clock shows 9:27
